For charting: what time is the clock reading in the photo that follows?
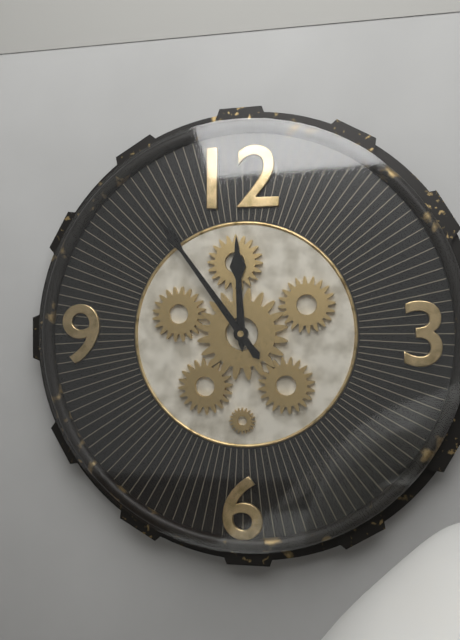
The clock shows 11:54
